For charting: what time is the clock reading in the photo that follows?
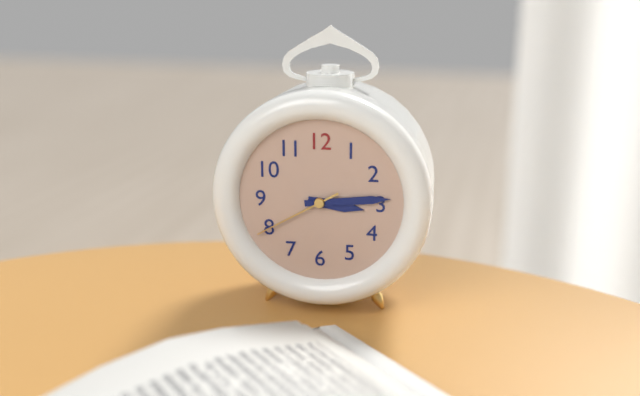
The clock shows 3:14:40
